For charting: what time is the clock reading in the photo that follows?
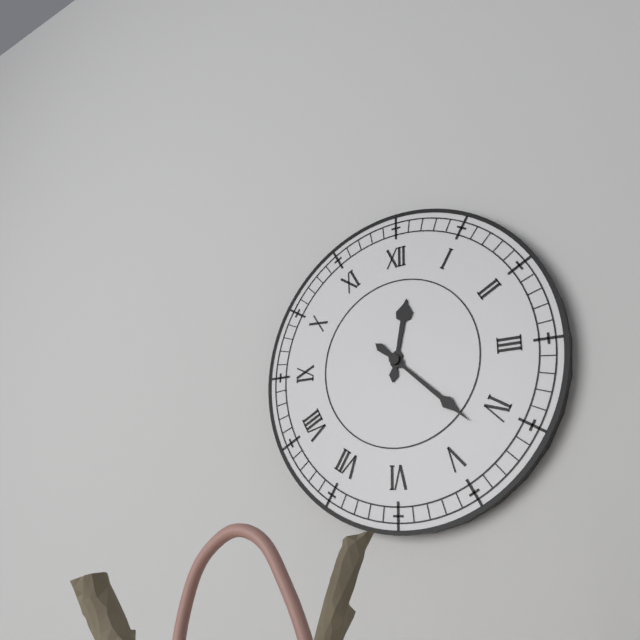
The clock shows 12:22
